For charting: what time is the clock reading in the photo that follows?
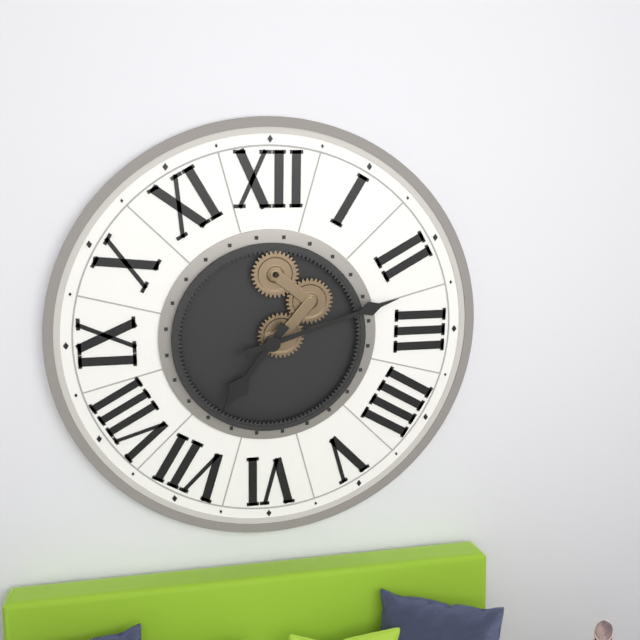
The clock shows 7:12
